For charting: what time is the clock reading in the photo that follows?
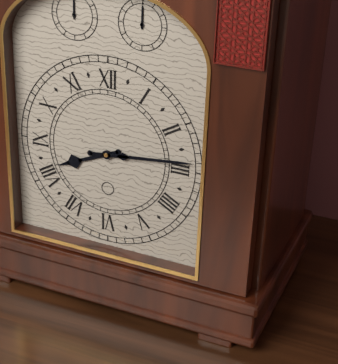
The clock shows 8:14
